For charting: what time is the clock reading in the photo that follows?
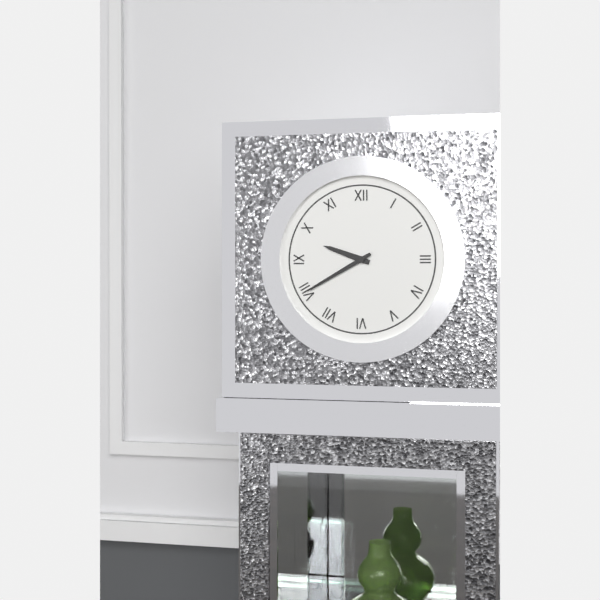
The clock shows 9:40
